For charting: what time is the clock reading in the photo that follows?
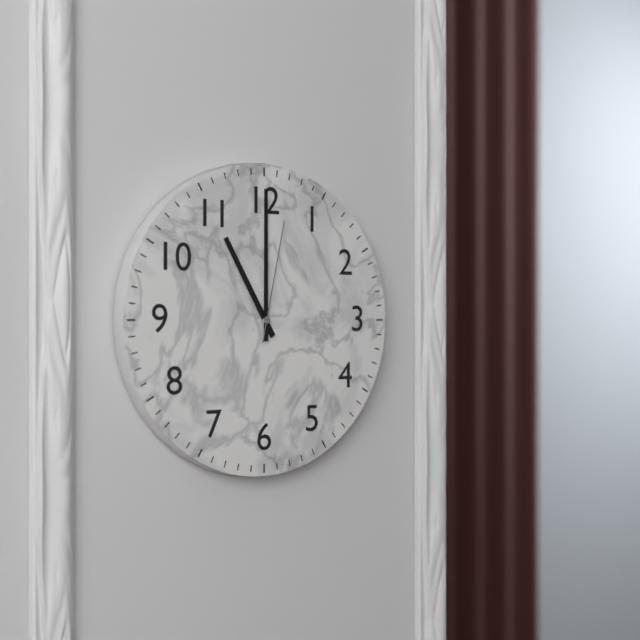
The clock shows 11:00:02
